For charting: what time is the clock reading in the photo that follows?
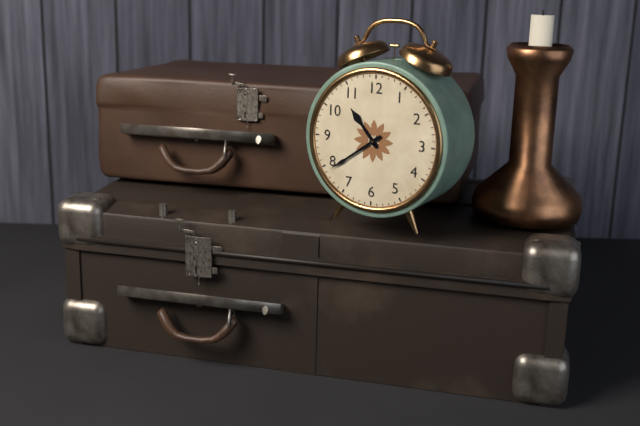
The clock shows 10:39
